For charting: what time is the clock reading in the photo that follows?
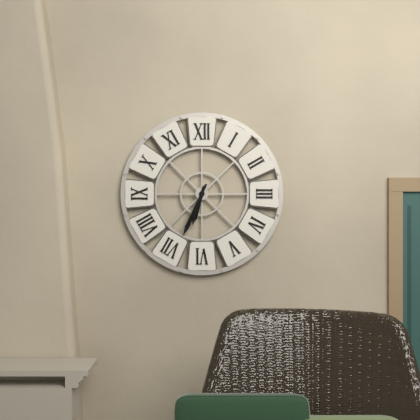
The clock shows 6:34
